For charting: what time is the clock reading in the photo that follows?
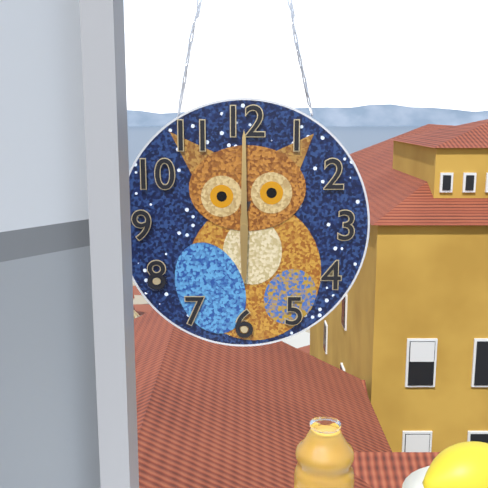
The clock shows 6:00
